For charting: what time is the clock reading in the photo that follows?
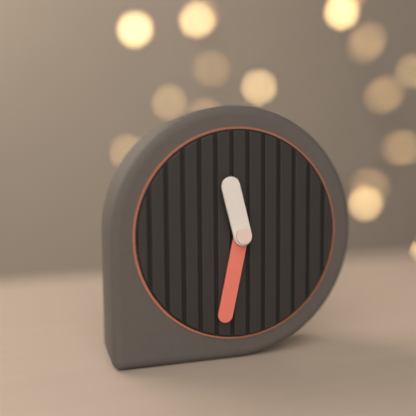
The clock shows 11:32
